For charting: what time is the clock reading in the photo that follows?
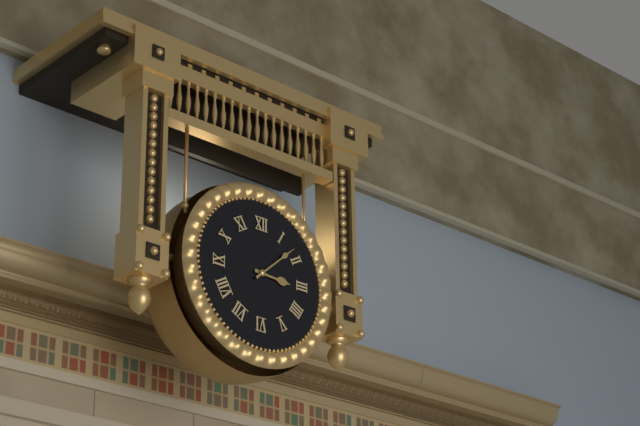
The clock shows 3:08
